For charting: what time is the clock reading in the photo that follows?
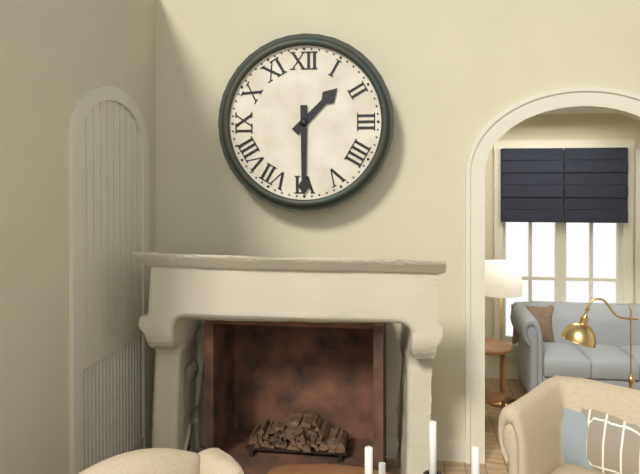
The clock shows 1:30
